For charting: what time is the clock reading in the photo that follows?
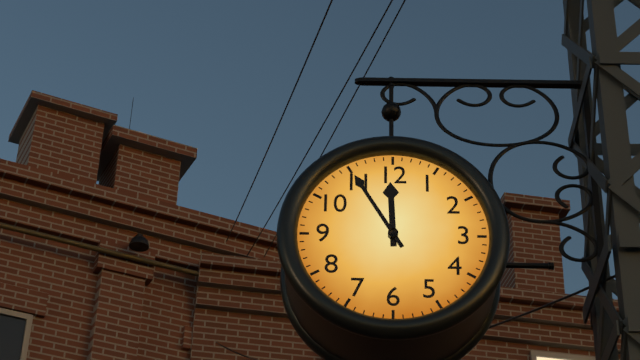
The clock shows 11:55
